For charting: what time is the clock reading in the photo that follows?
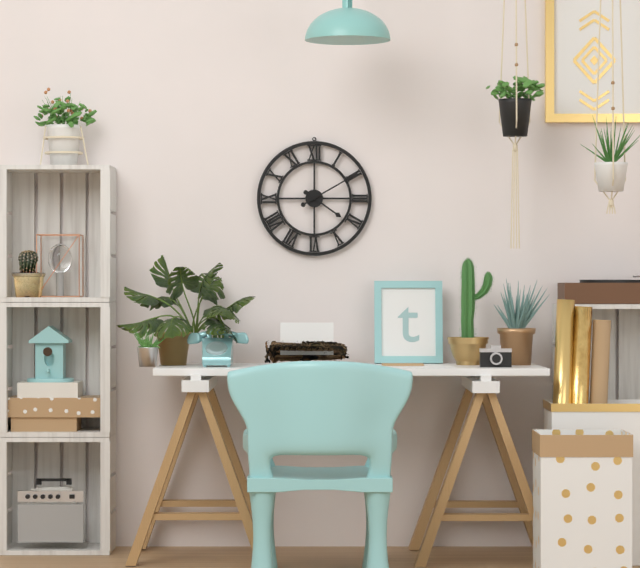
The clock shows 4:10
